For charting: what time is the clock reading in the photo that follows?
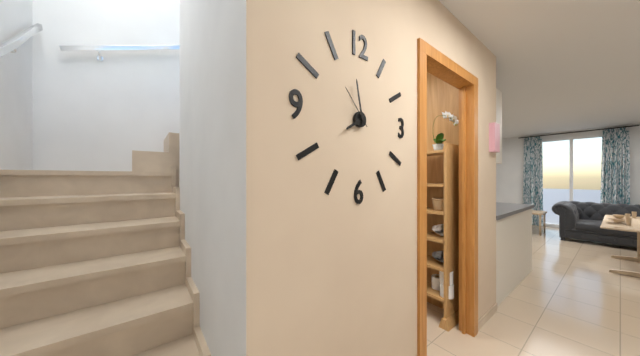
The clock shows 7:58
